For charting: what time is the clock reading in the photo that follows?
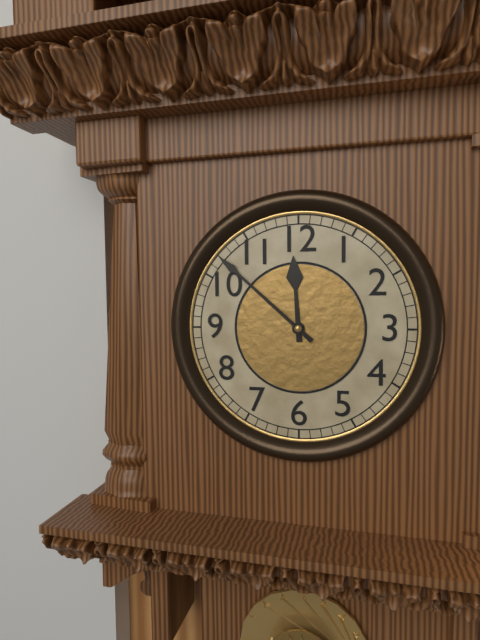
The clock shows 11:52
